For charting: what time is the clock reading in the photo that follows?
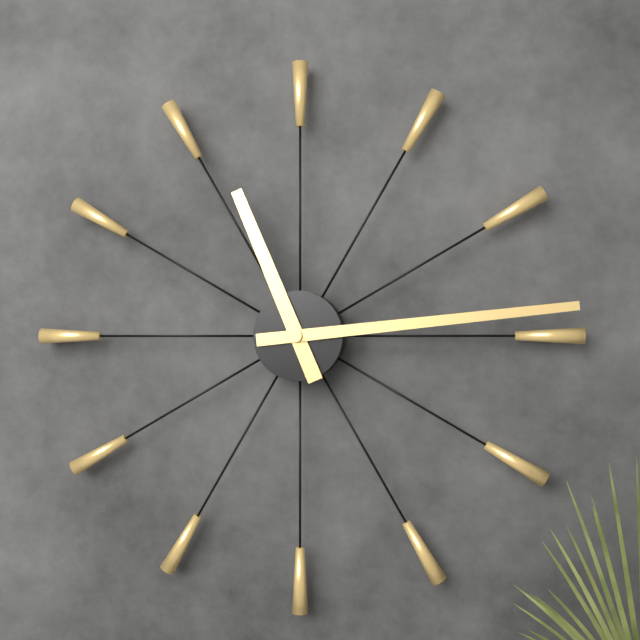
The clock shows 11:14
